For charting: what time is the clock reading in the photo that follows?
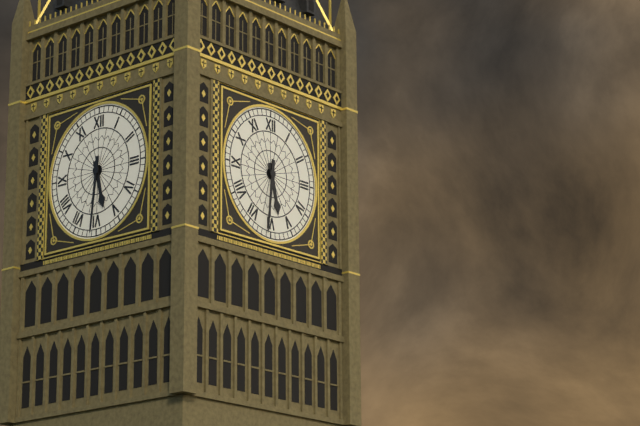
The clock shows 5:31
